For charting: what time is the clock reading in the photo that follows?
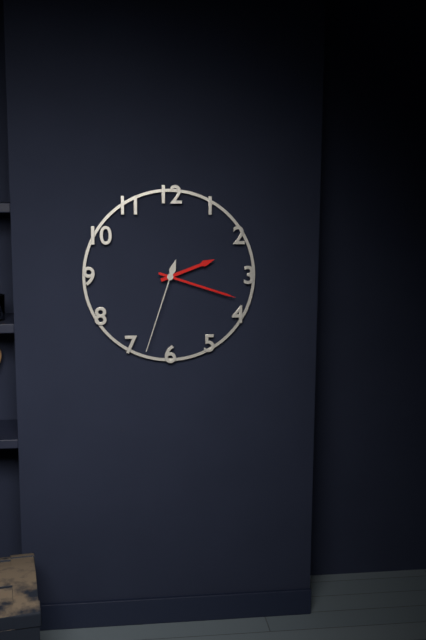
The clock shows 2:18:33
